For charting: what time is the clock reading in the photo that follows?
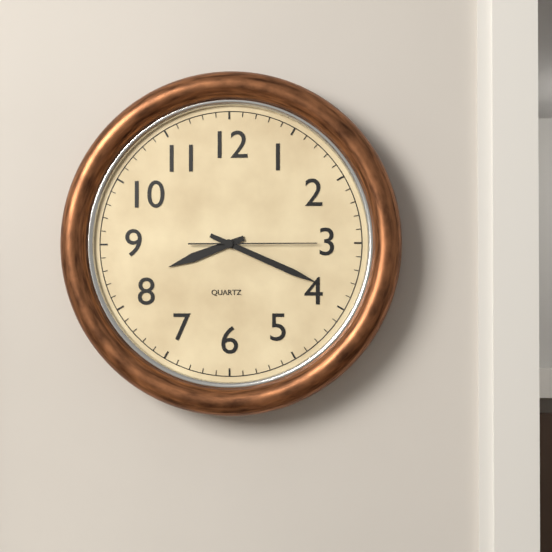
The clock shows 8:19:15
